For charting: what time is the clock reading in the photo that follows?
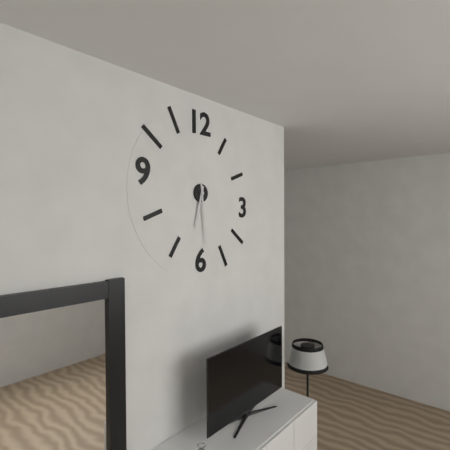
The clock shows 6:29
